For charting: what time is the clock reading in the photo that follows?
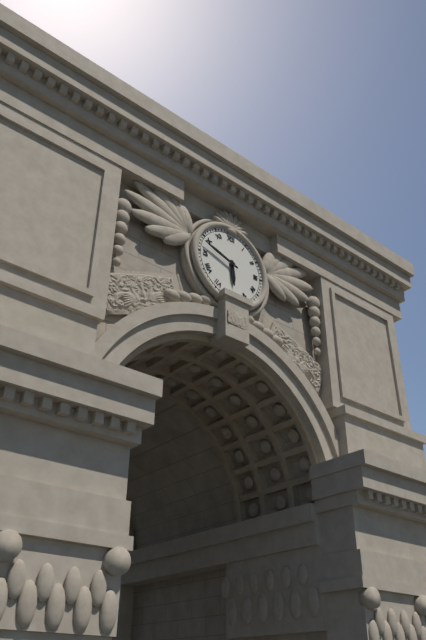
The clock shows 5:48
